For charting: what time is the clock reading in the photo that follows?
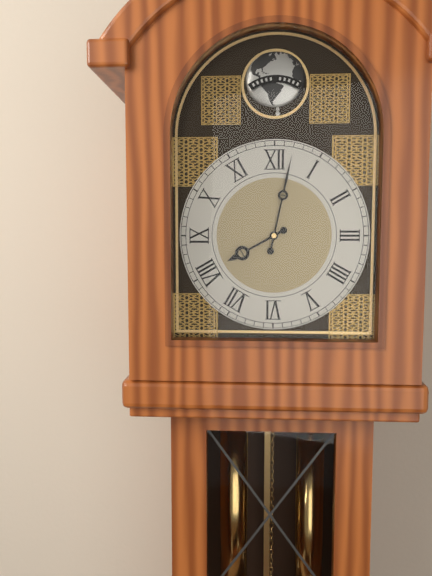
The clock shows 8:02
